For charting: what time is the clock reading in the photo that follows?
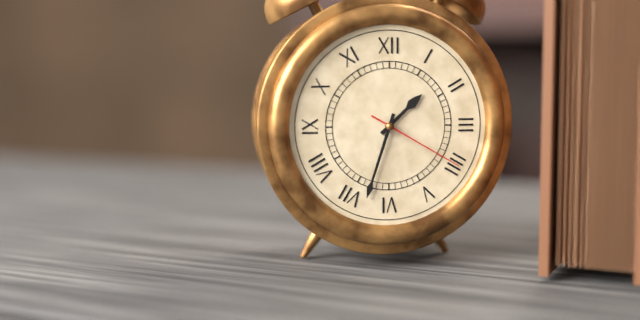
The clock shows 1:33:20
